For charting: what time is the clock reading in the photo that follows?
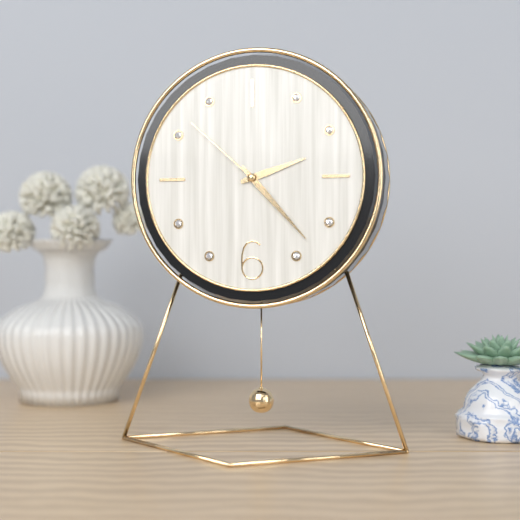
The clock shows 2:23:52
